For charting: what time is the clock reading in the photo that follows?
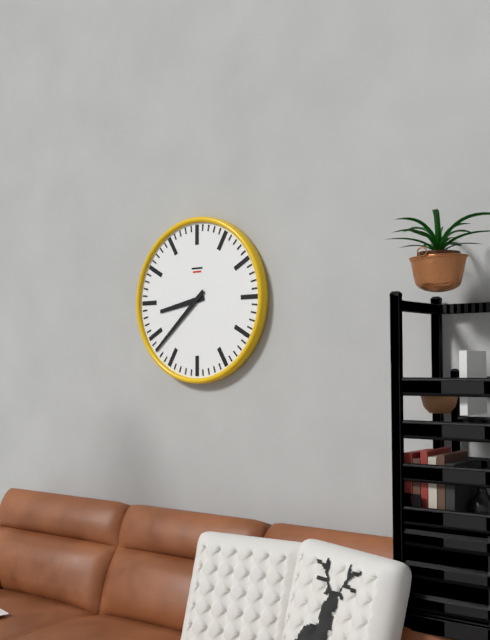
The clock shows 8:38
